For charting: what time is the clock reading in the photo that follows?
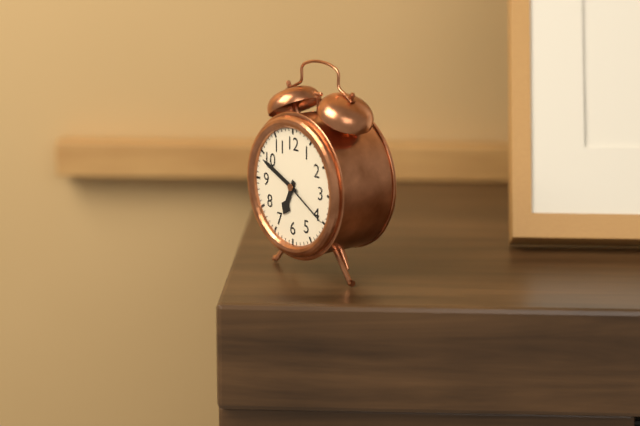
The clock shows 6:49:20
